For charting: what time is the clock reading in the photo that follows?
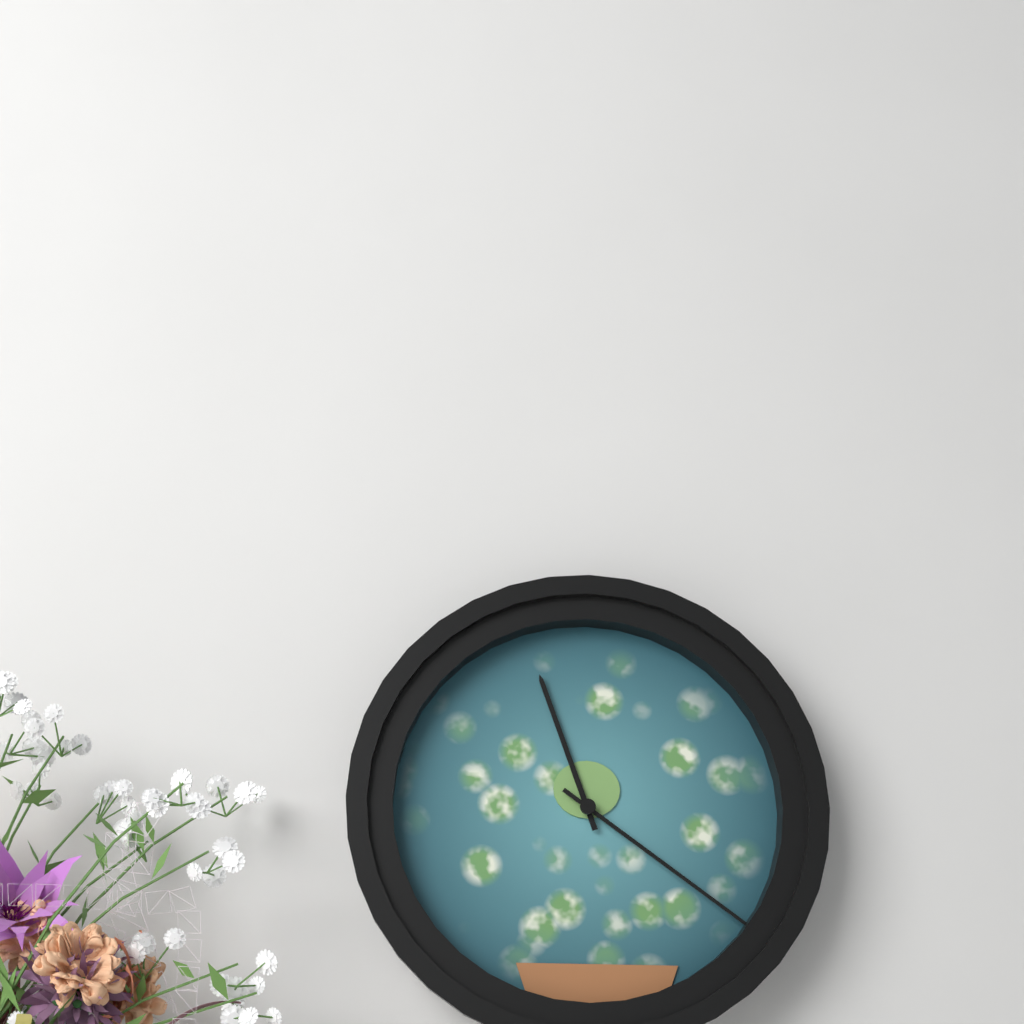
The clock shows 11:21
